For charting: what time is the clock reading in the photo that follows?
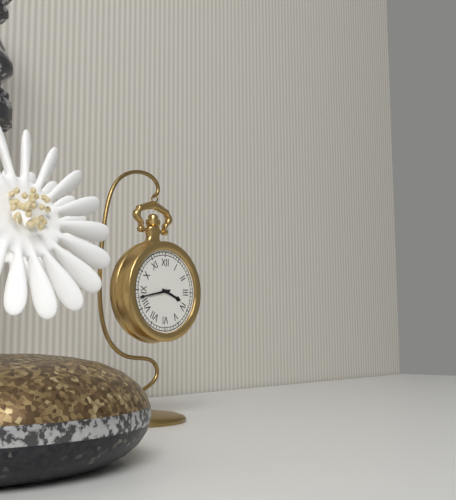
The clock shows 3:43
